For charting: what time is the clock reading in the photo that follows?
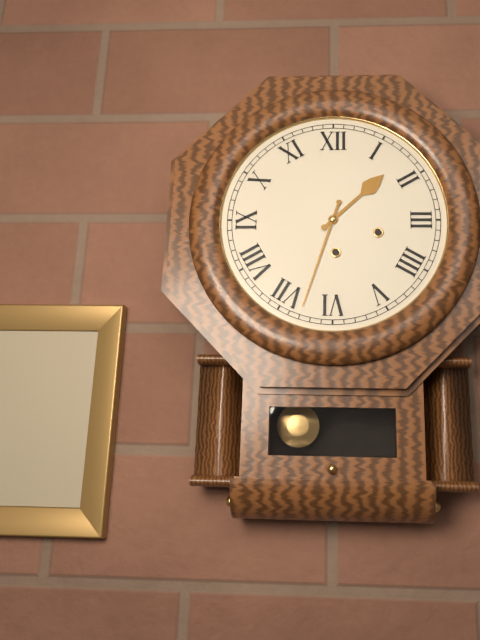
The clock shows 1:33
